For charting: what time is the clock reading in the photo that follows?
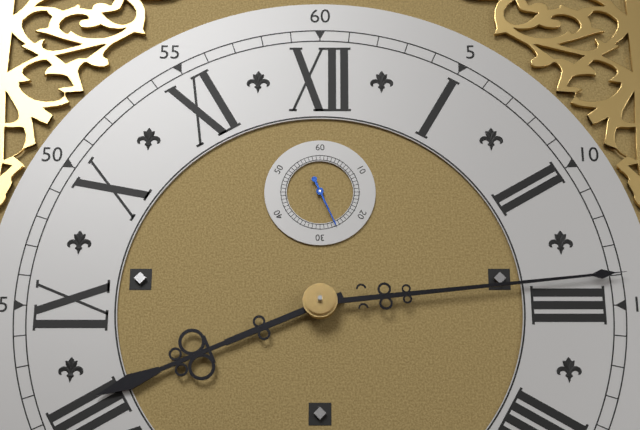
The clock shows 8:14
